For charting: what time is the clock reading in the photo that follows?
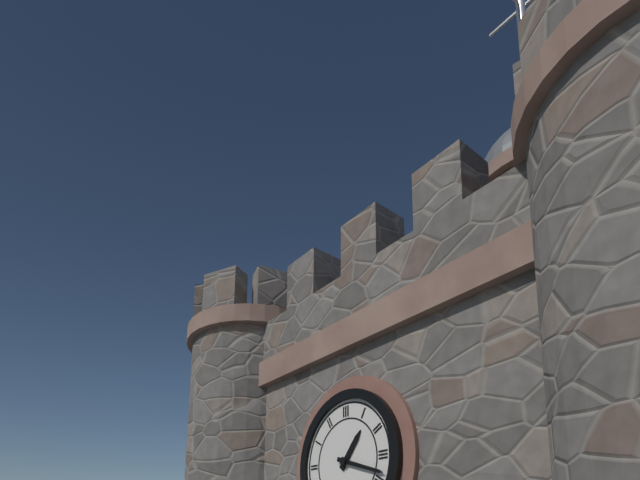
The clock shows 1:18
